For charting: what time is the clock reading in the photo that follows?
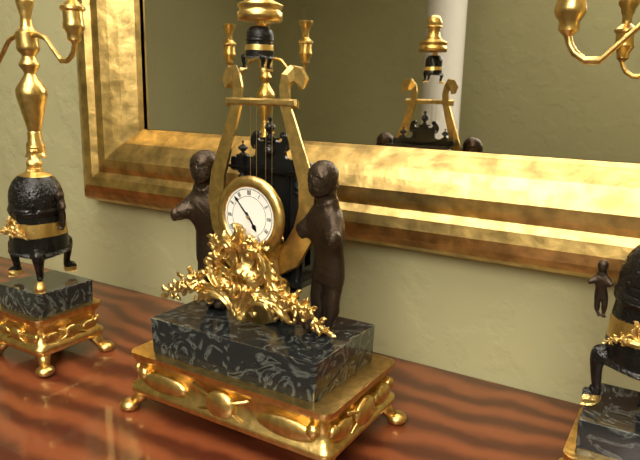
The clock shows 4:53
